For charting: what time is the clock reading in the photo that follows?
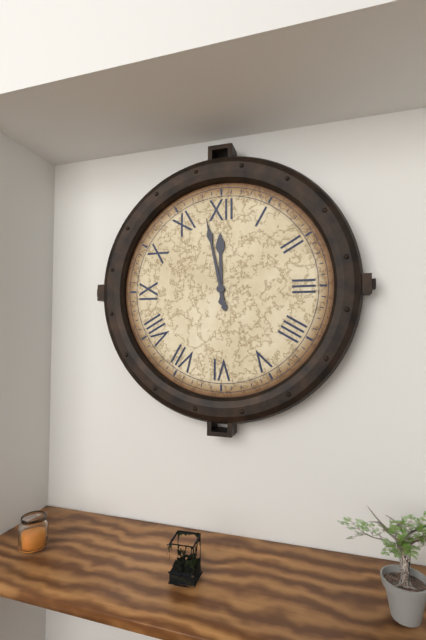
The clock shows 11:58
